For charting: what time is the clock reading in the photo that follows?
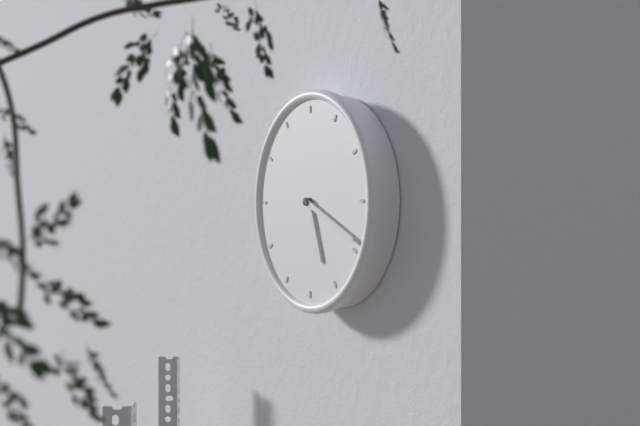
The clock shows 5:19
